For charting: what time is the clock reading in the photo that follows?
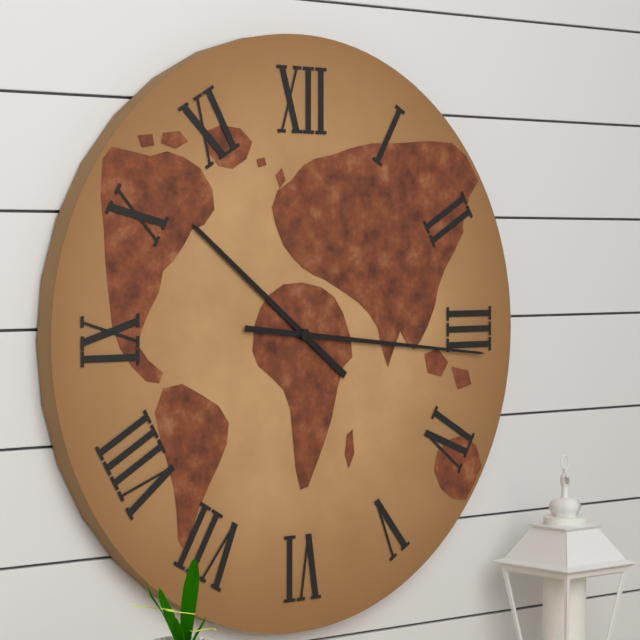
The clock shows 10:16
